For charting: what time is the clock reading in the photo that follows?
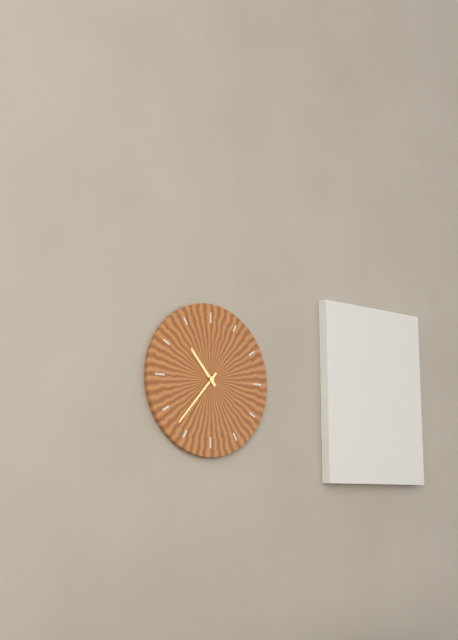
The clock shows 10:37
